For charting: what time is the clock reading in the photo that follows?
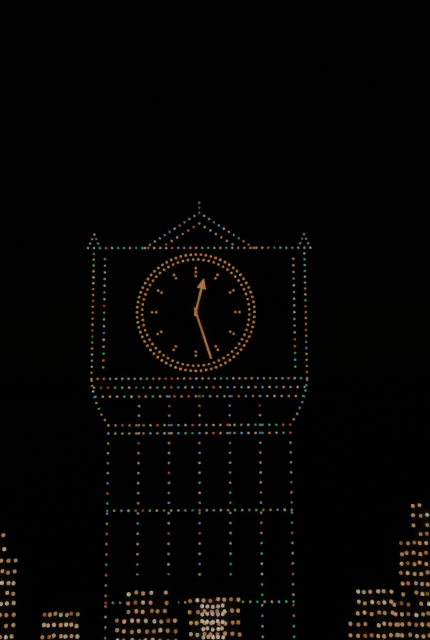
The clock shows 12:27
